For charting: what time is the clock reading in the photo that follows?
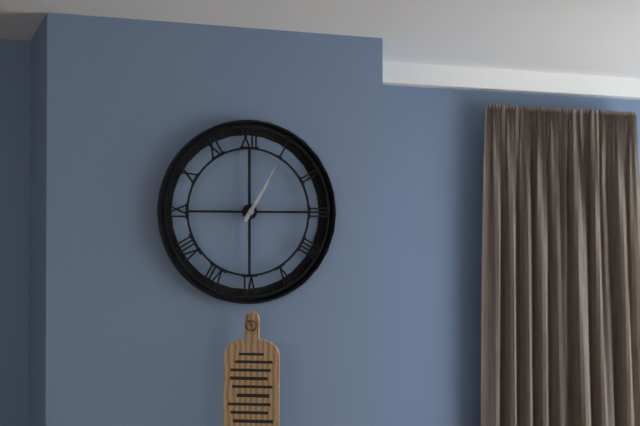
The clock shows 1:05
